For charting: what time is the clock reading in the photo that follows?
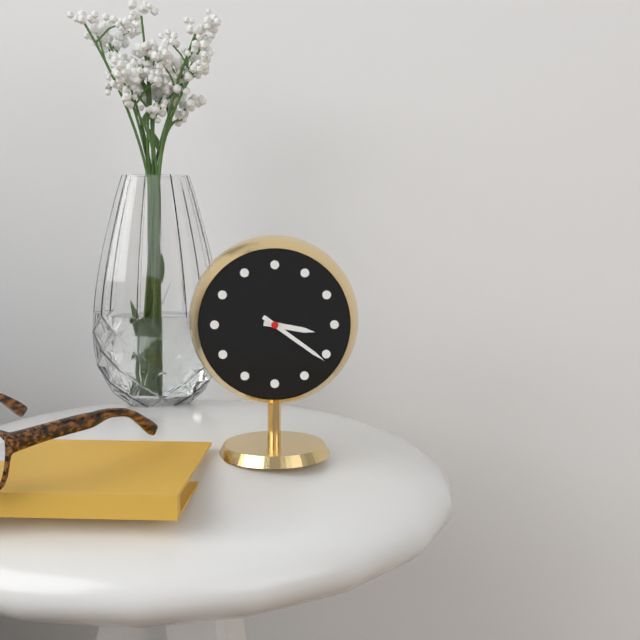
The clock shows 3:21
